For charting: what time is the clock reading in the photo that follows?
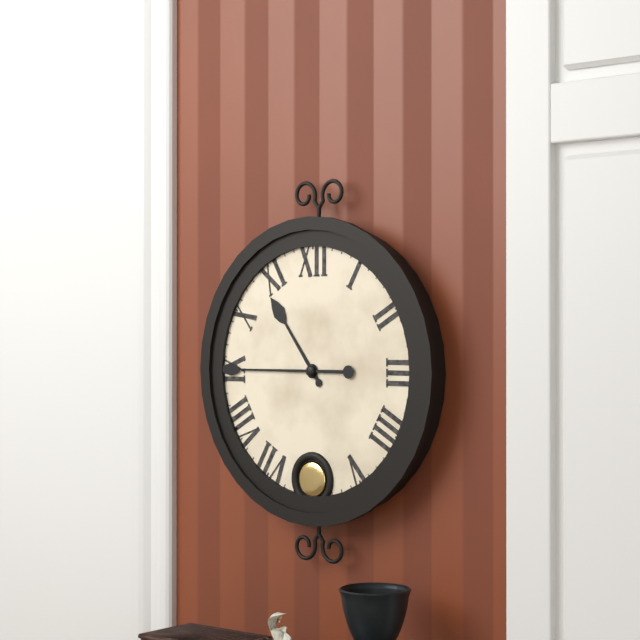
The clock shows 10:45
